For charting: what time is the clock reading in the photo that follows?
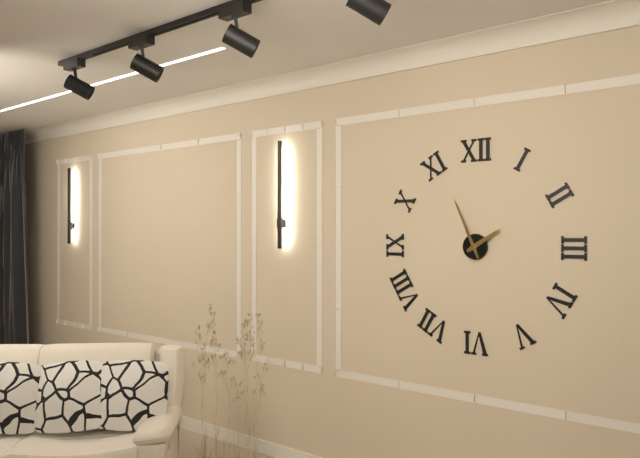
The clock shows 1:56
